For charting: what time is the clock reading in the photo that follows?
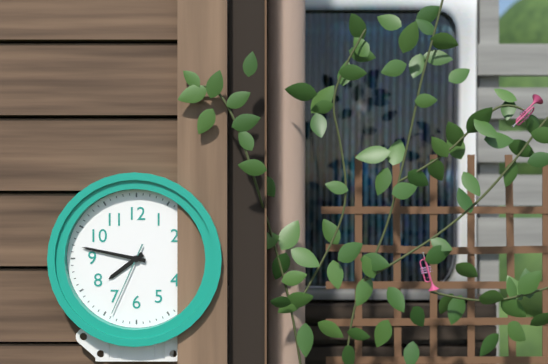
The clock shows 7:47:34
